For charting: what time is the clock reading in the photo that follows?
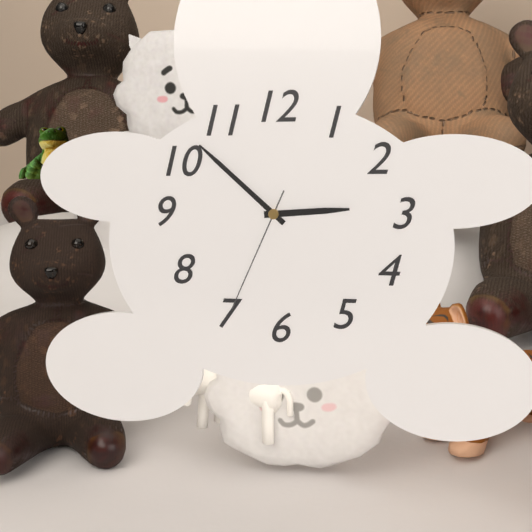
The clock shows 2:52:34
